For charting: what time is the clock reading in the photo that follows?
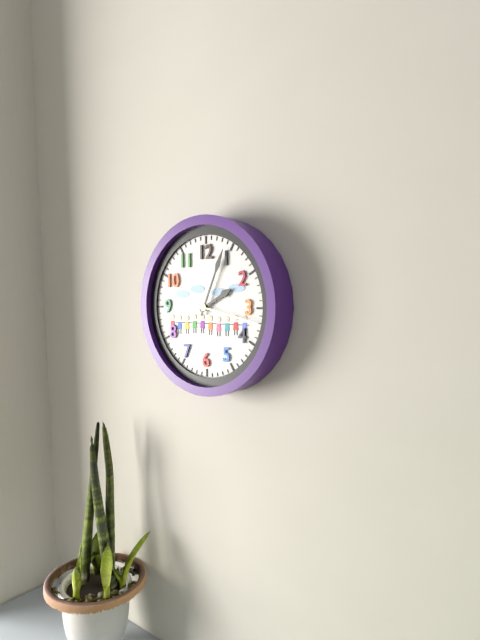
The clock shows 2:04
